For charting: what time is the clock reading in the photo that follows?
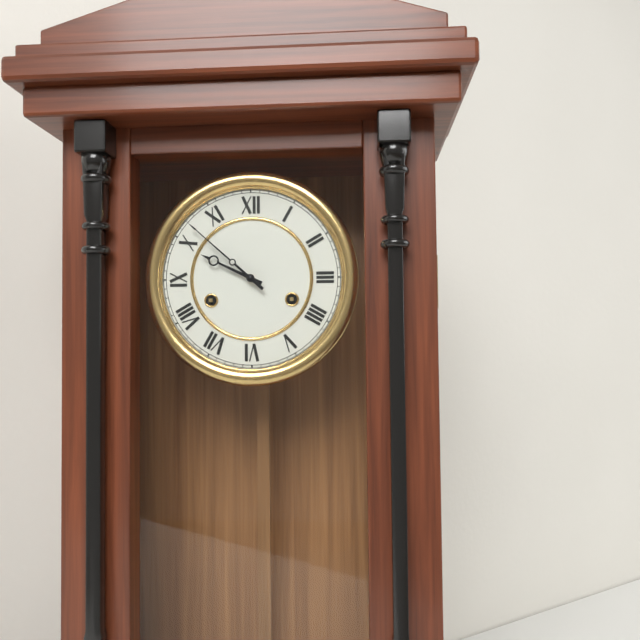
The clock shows 9:52
